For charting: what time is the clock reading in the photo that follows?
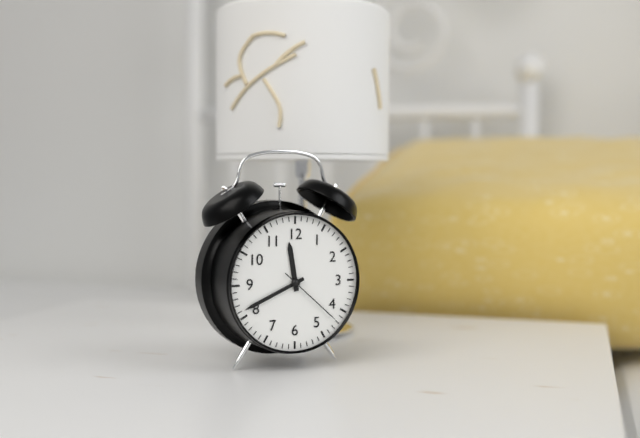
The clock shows 11:41:22
